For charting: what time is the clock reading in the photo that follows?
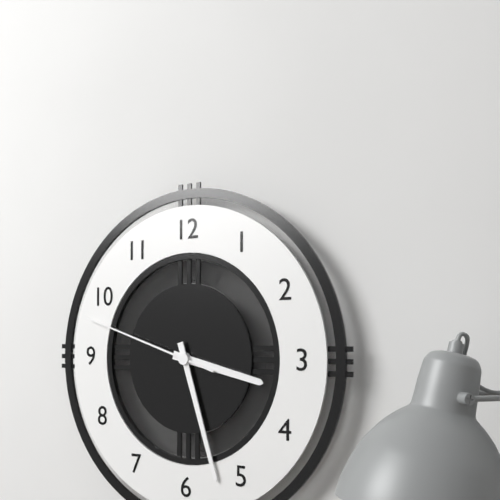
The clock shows 3:27:48
